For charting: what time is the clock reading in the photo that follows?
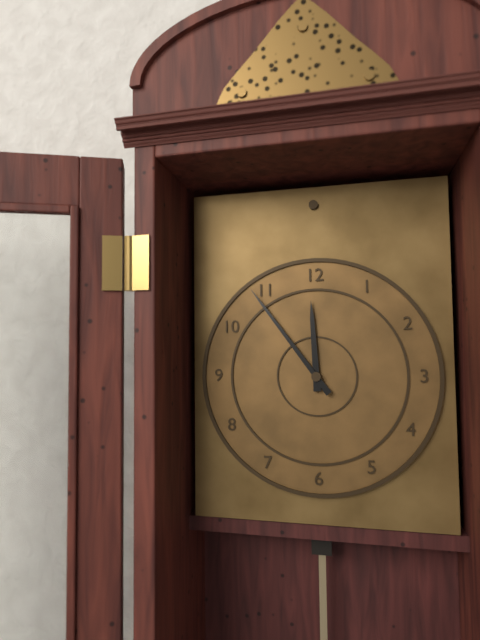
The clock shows 11:54
